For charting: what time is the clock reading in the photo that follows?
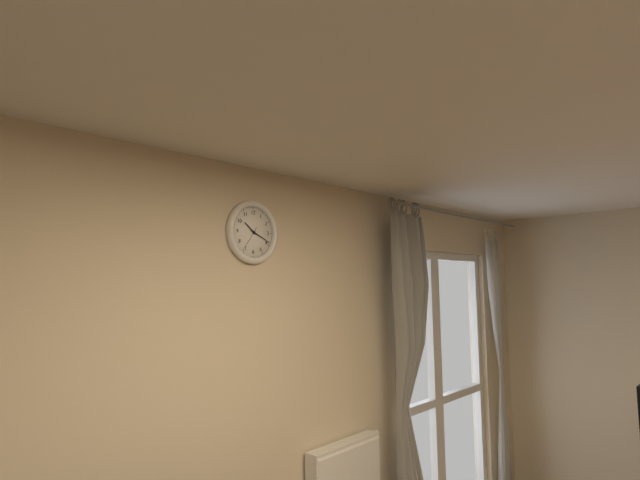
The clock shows 10:19
